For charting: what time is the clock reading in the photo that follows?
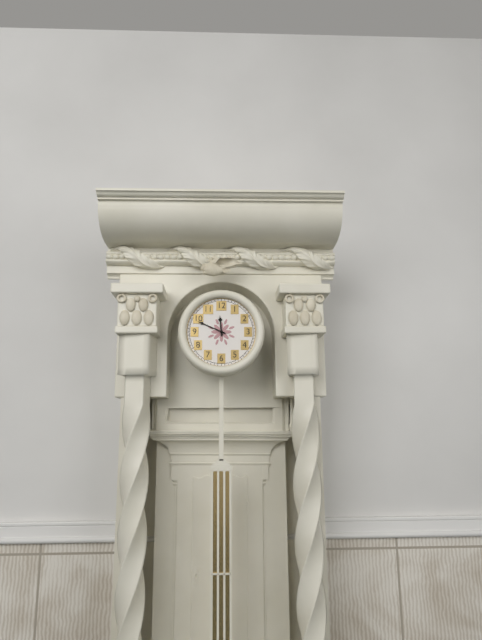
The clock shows 11:49
